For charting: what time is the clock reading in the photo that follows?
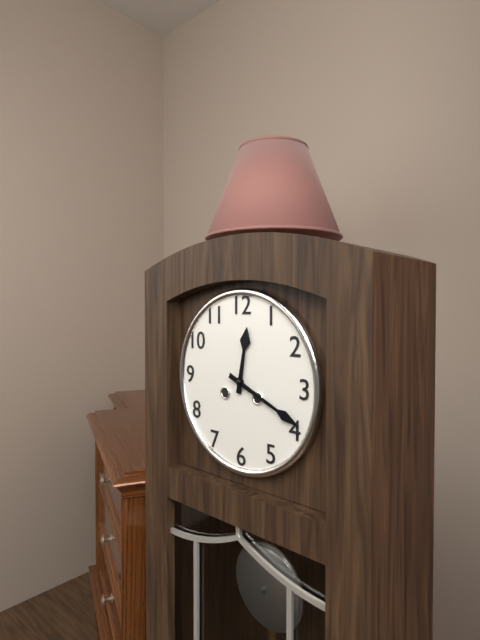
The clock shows 12:19
